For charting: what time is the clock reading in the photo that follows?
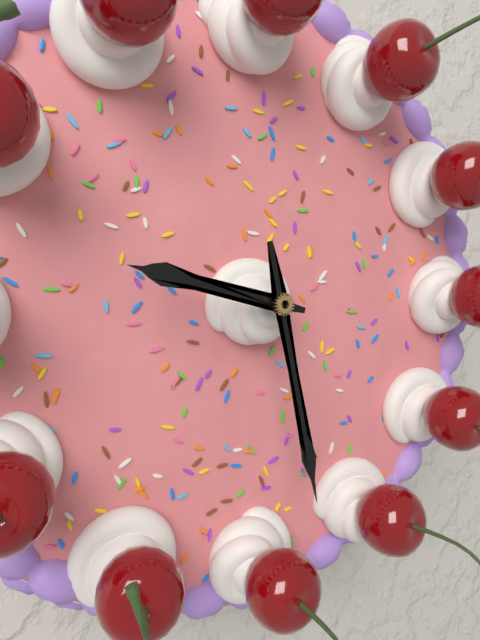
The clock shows 9:28
